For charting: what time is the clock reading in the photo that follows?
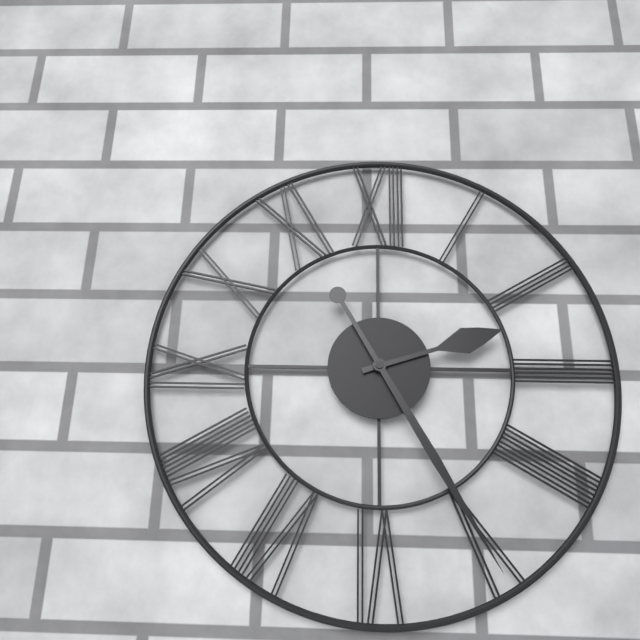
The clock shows 2:25
